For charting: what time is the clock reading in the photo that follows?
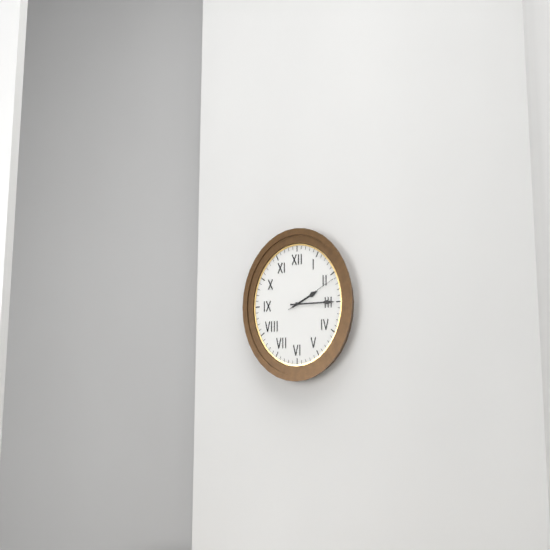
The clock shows 2:15:11
